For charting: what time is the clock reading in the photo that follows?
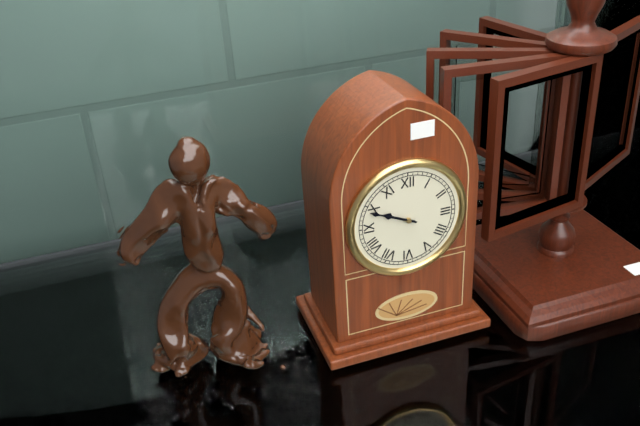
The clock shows 9:49
